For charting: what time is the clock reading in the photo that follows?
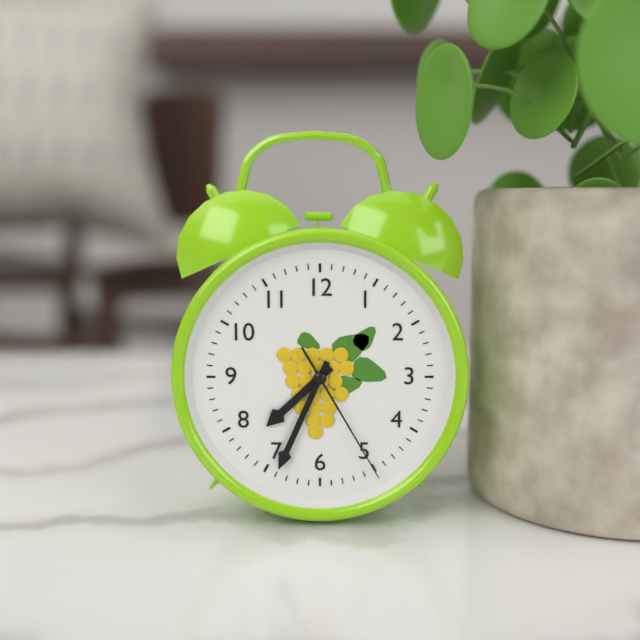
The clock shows 7:34:25
